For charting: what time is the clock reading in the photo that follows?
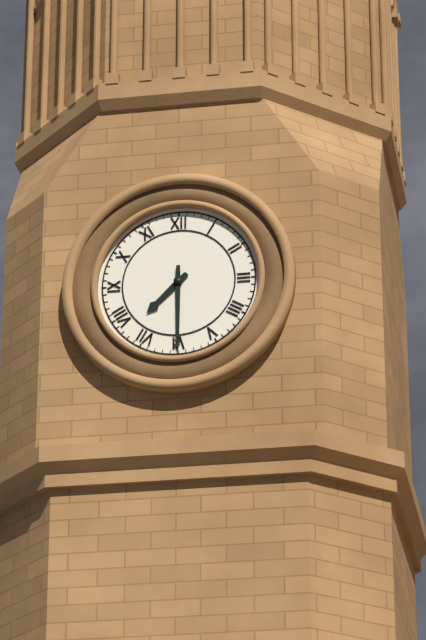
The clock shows 7:30
